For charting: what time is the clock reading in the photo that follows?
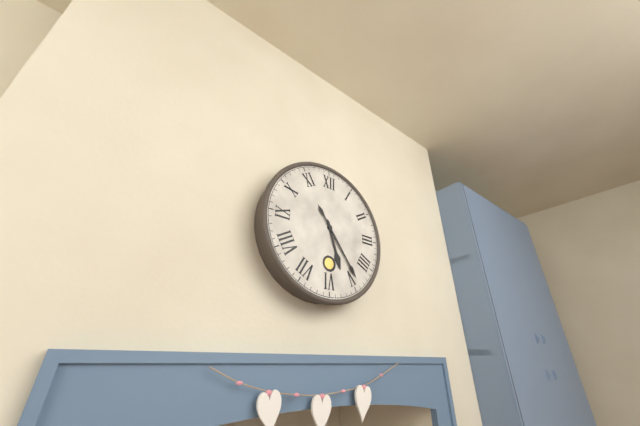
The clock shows 5:24
